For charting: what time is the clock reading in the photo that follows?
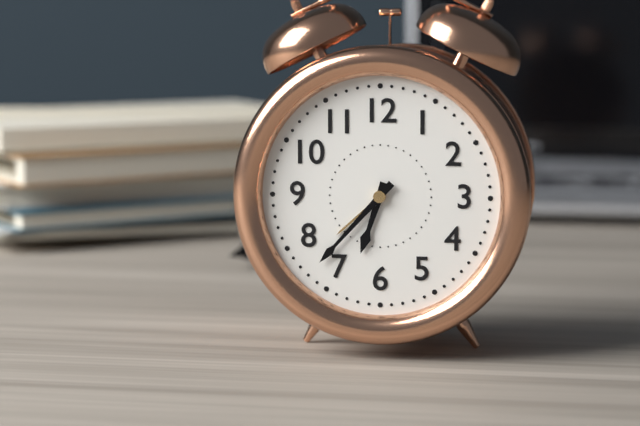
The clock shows 6:37
